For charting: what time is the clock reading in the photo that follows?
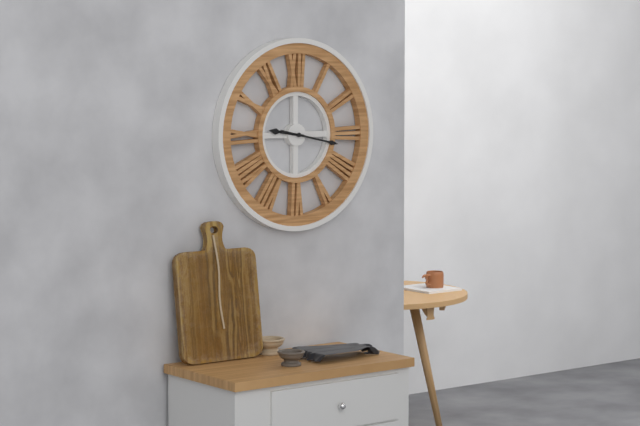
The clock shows 9:17
